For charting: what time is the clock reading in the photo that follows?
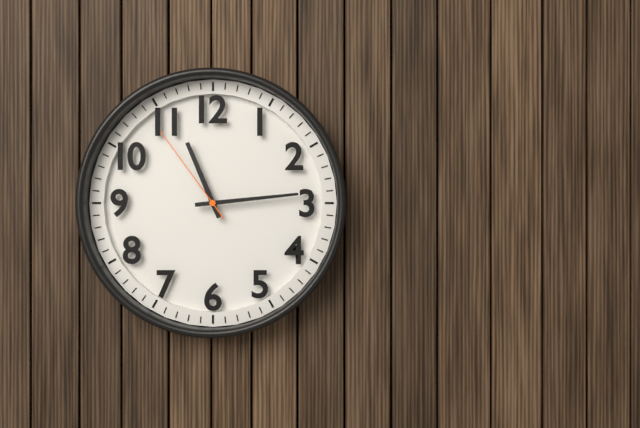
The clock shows 11:14:54
